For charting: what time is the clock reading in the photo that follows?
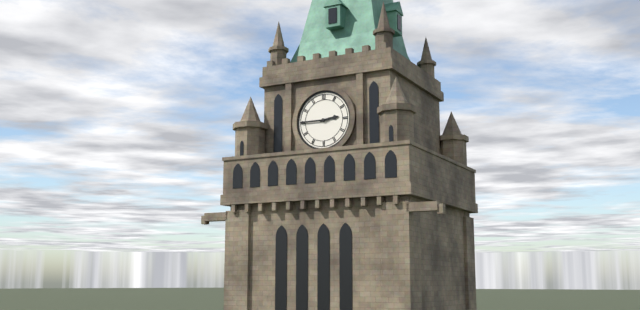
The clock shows 2:45
